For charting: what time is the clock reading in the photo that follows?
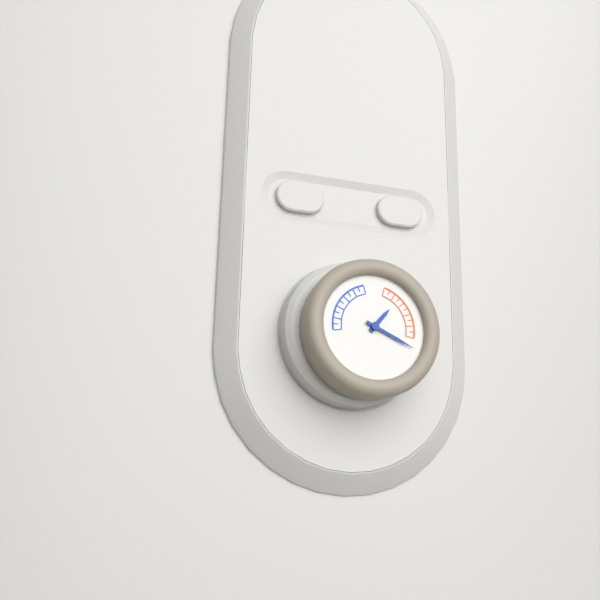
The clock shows 1:19
